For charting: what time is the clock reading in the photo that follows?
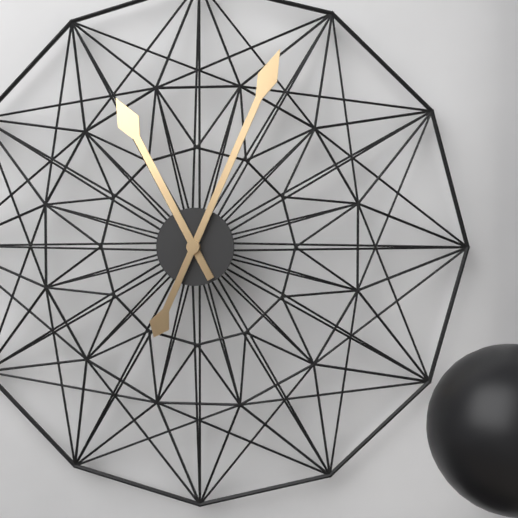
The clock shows 11:04
